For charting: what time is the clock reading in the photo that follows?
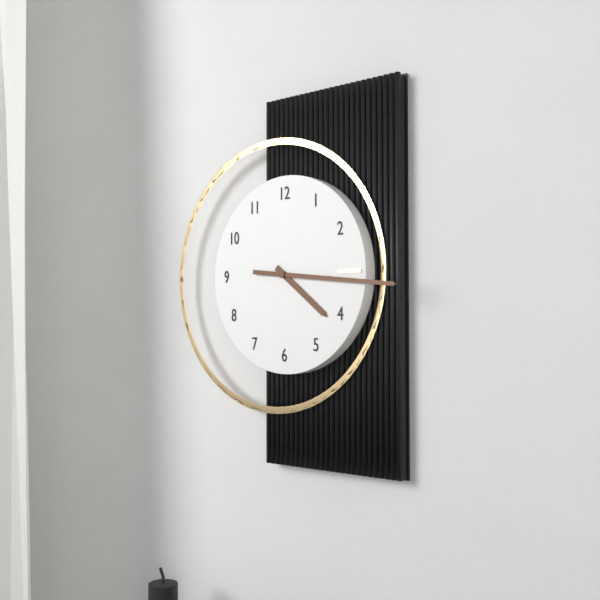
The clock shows 4:16
